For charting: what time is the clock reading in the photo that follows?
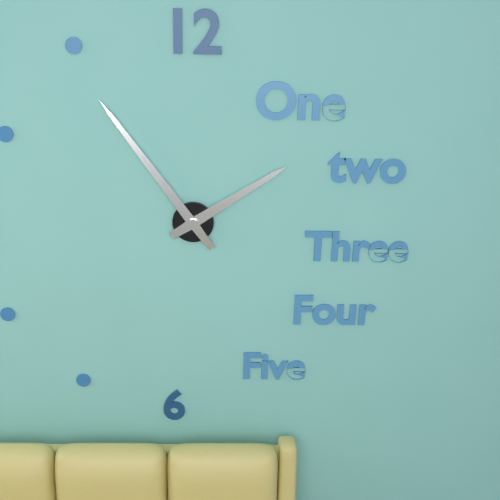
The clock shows 1:54
